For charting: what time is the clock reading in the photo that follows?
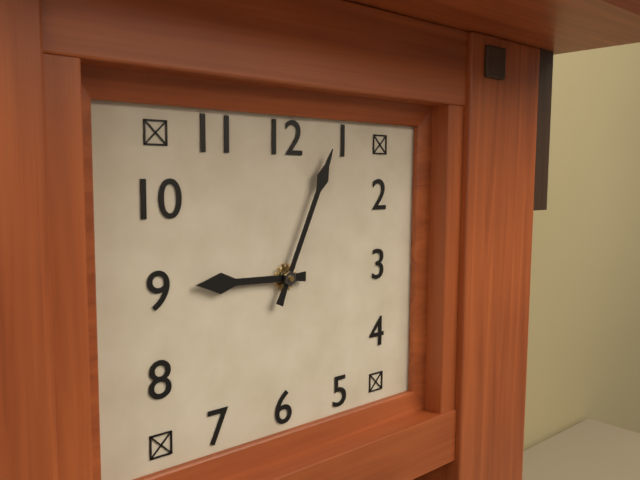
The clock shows 9:04
